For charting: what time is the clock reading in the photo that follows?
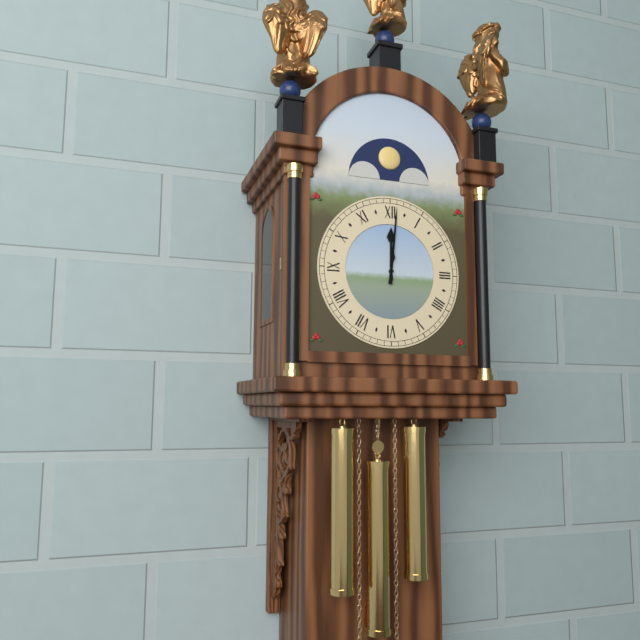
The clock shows 12:01
